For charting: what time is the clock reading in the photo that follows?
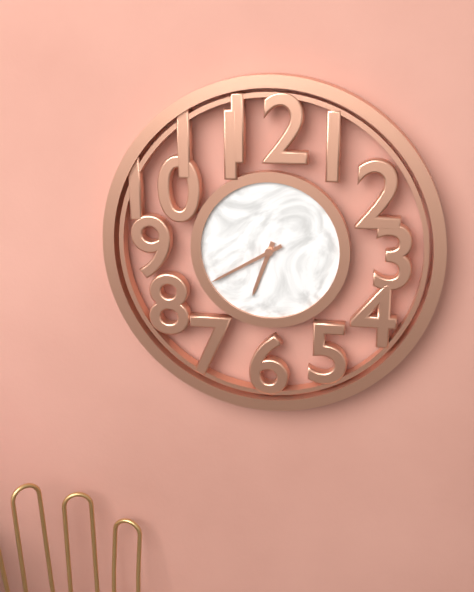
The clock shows 6:40
